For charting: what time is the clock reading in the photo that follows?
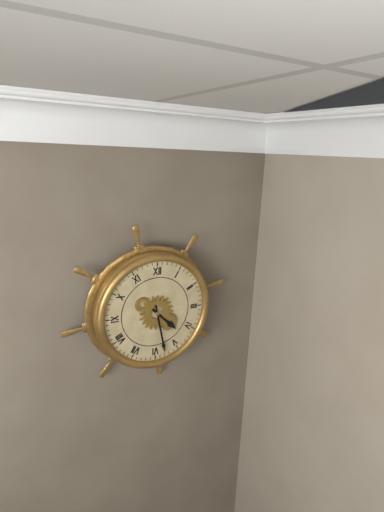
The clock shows 4:28
